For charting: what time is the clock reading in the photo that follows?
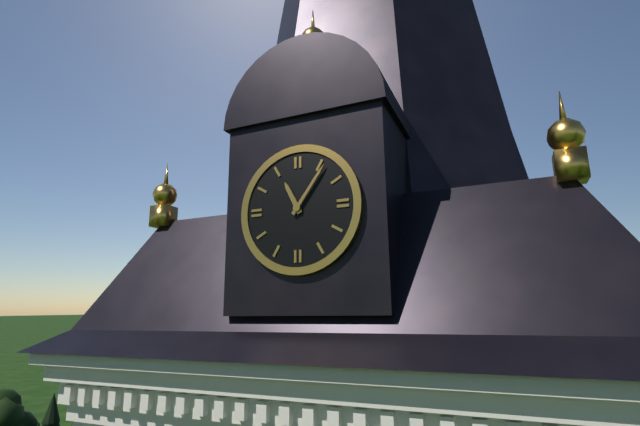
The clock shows 11:06
